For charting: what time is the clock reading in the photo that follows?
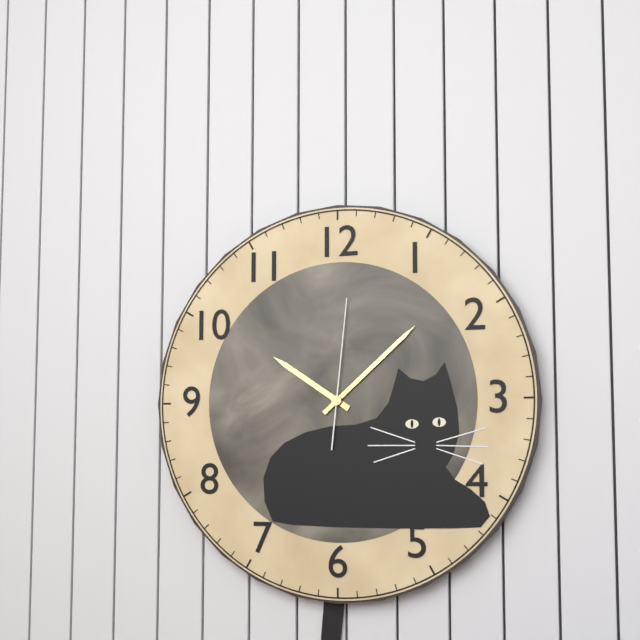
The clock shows 10:08:01
